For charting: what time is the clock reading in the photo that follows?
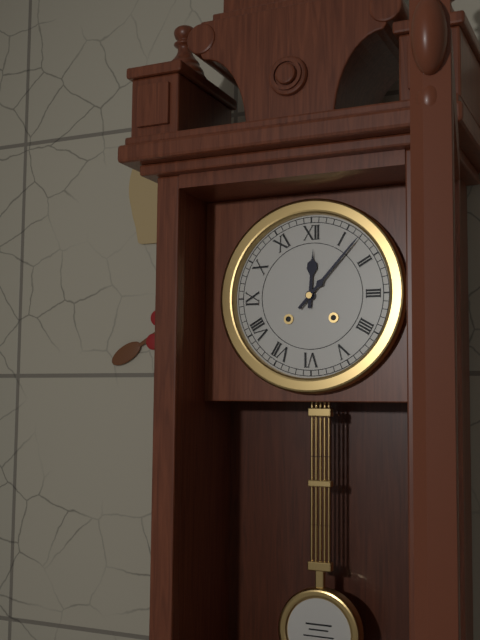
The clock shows 12:07
